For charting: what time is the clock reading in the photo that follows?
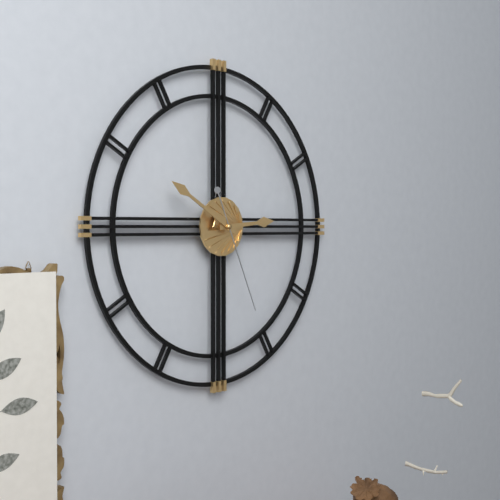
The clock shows 2:50:26
